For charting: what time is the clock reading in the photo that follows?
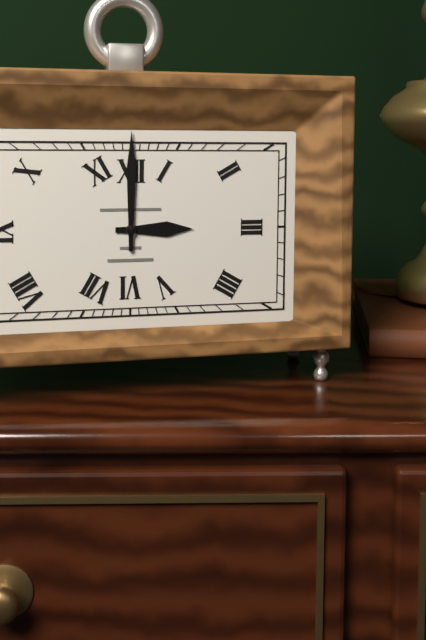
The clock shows 3:00
